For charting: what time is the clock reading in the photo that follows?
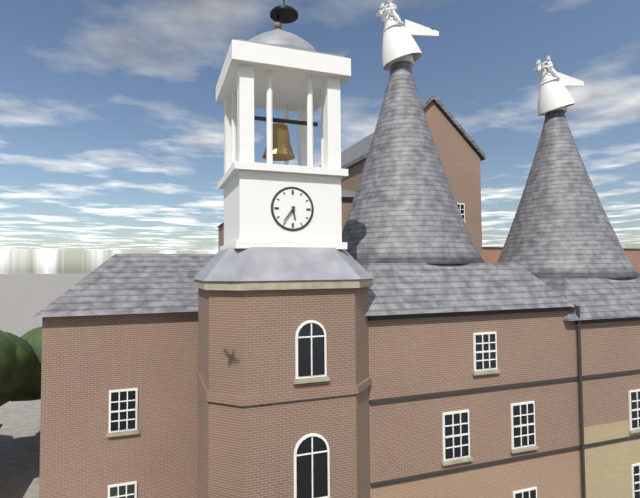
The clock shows 5:36
